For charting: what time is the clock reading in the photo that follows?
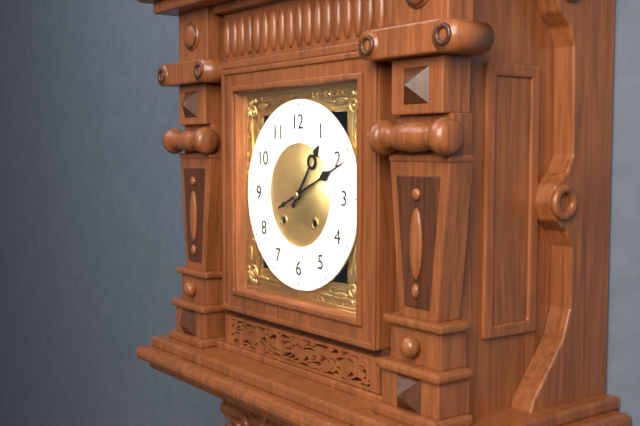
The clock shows 1:11
